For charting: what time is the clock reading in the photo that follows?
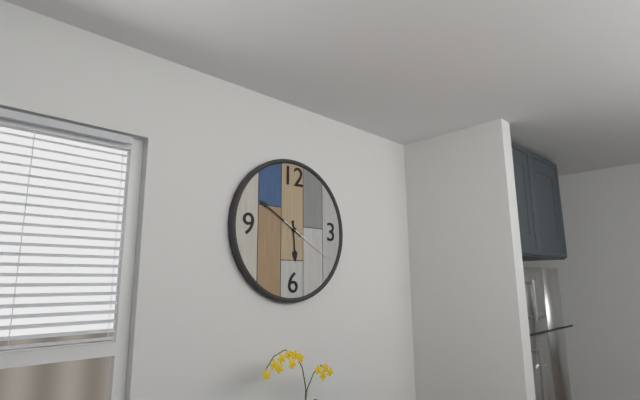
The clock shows 5:50:20
